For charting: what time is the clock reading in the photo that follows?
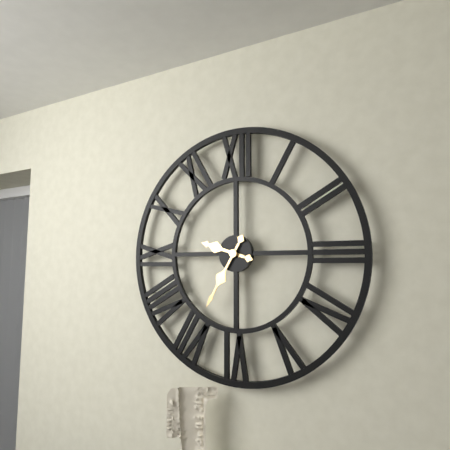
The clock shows 9:35
